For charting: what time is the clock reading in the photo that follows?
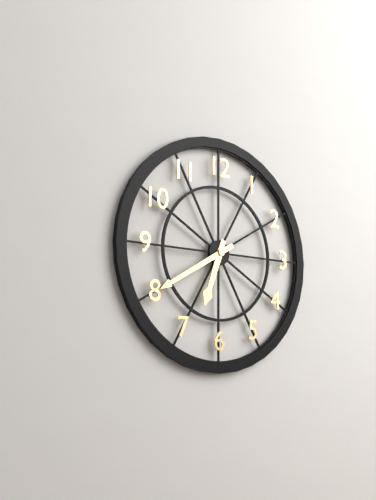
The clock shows 6:40
